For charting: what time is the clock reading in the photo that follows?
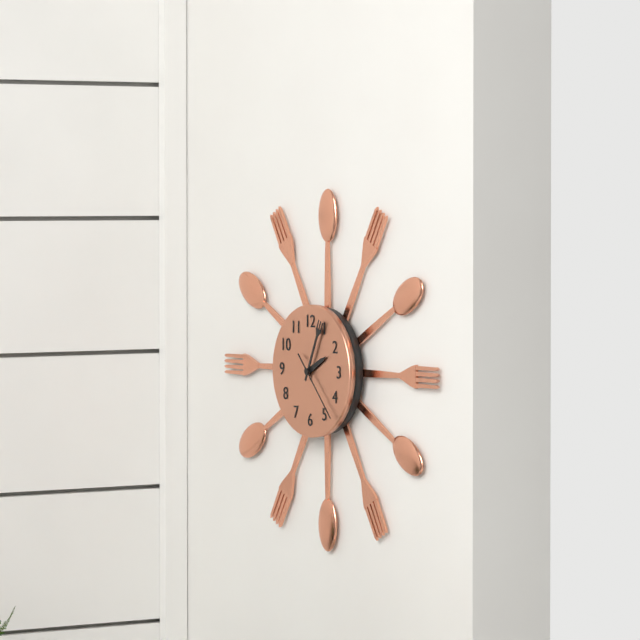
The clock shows 2:04:23
